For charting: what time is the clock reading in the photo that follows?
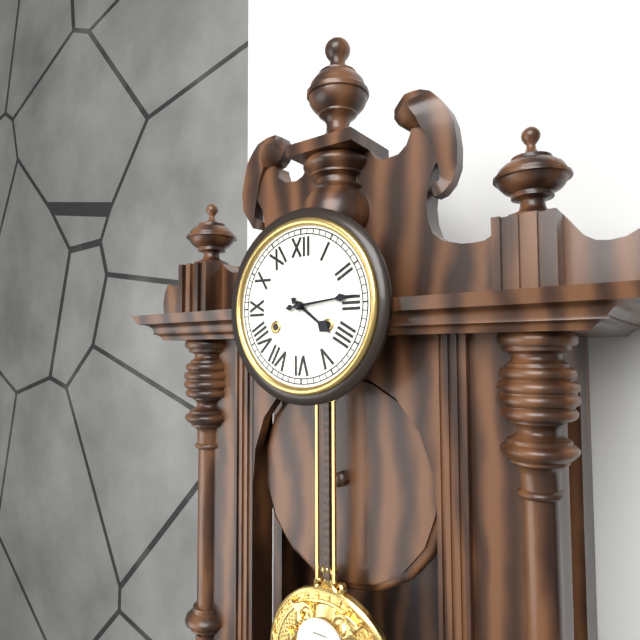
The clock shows 4:14
